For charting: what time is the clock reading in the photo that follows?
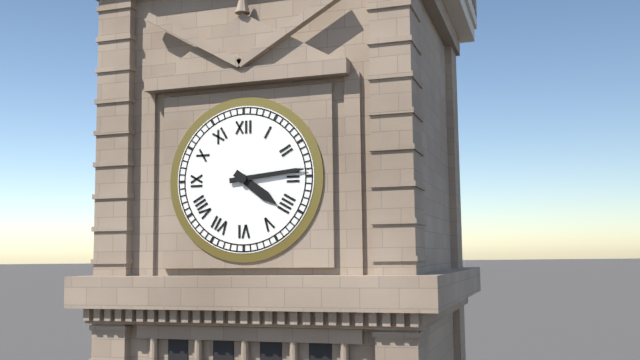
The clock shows 4:14
